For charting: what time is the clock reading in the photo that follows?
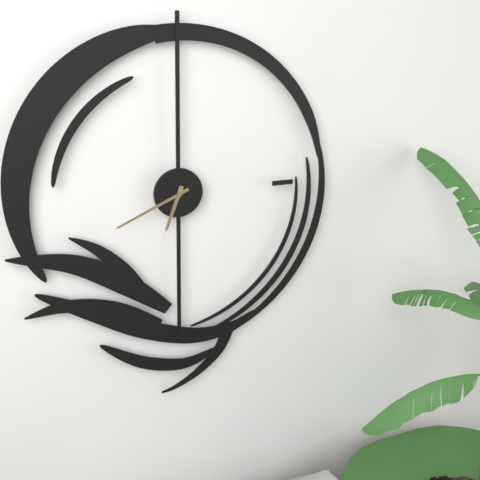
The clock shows 6:41
